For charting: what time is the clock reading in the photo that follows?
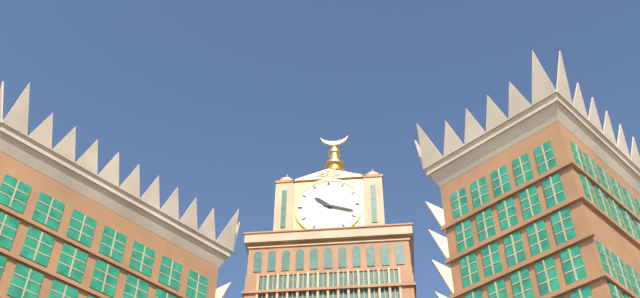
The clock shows 10:18
